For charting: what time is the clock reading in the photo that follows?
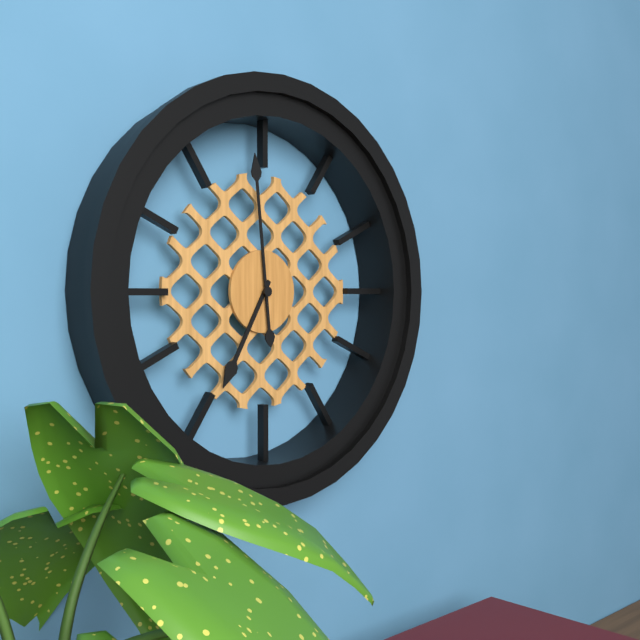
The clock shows 6:59
